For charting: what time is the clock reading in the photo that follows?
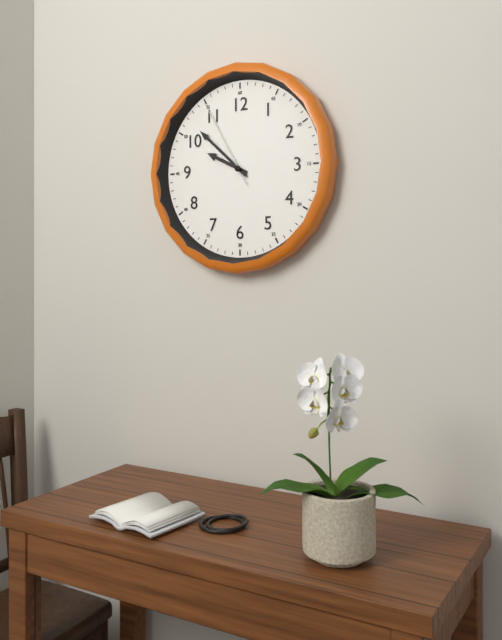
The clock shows 9:52:55
